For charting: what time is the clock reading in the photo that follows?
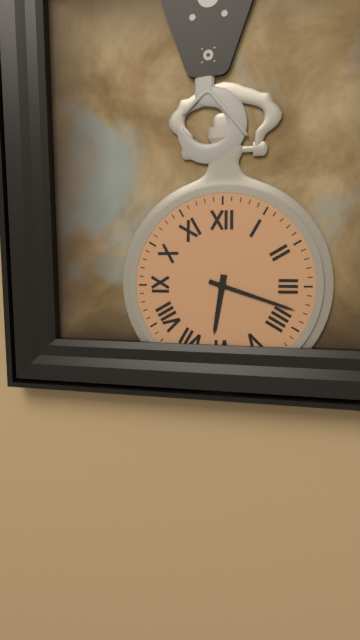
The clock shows 6:18
